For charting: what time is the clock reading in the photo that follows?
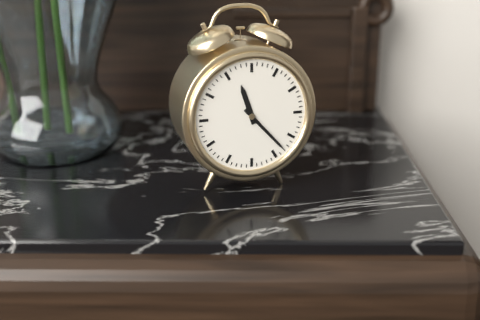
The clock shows 11:23
